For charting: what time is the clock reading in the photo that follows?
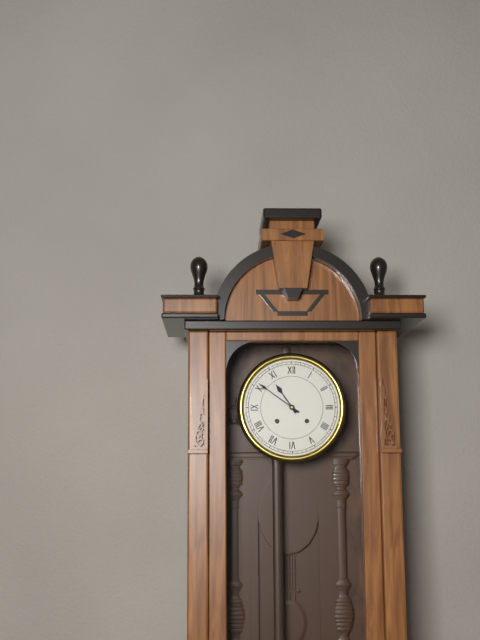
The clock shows 10:51
